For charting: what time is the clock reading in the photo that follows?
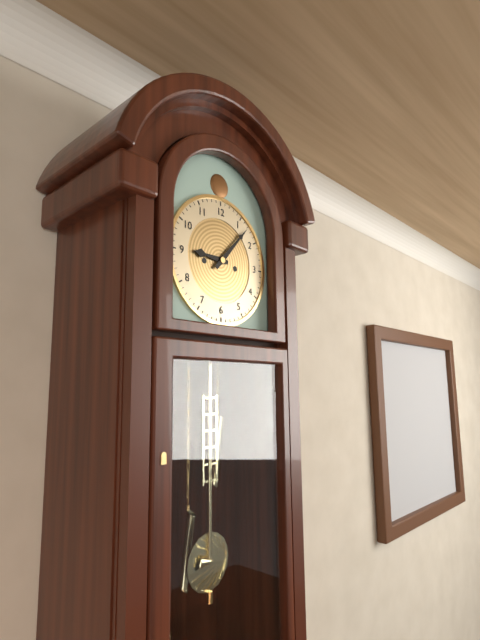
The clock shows 9:07
